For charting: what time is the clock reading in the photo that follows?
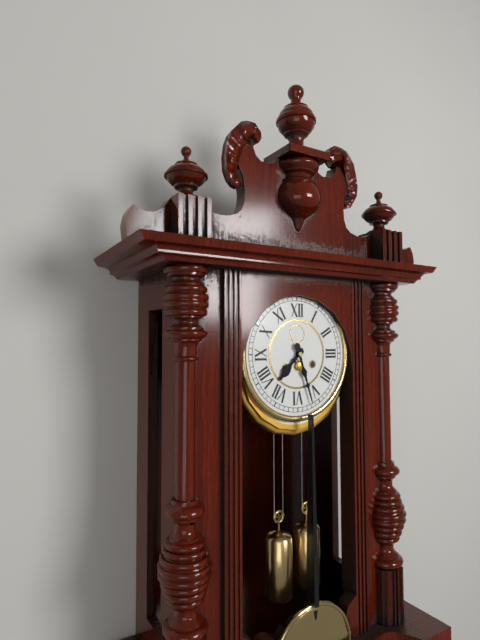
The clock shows 7:27
